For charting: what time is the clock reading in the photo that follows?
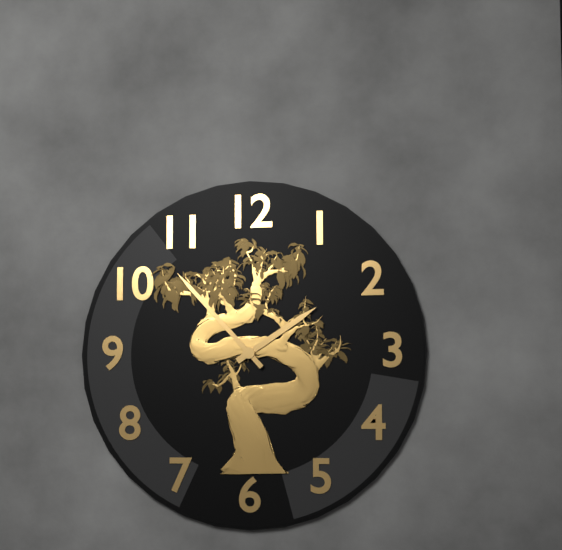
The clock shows 1:53
